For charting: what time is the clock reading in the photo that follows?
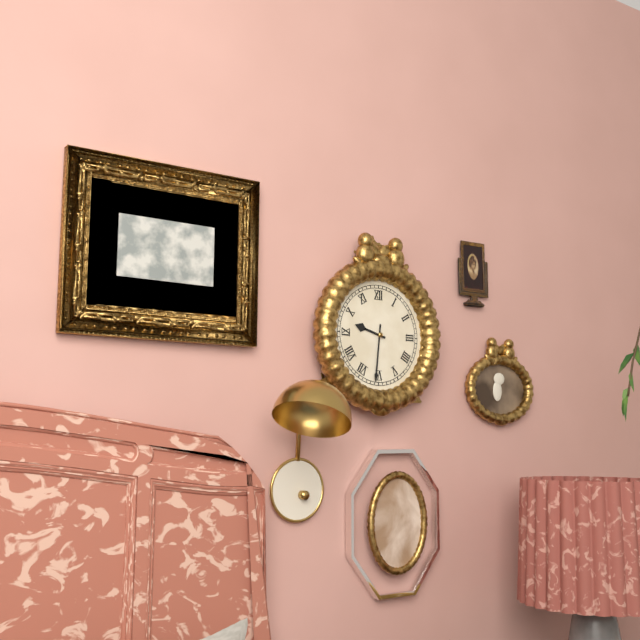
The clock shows 9:31
